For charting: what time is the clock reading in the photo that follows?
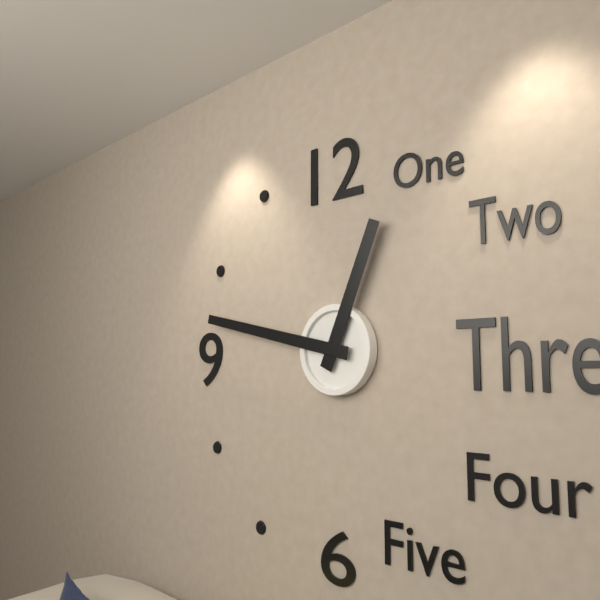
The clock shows 12:47
